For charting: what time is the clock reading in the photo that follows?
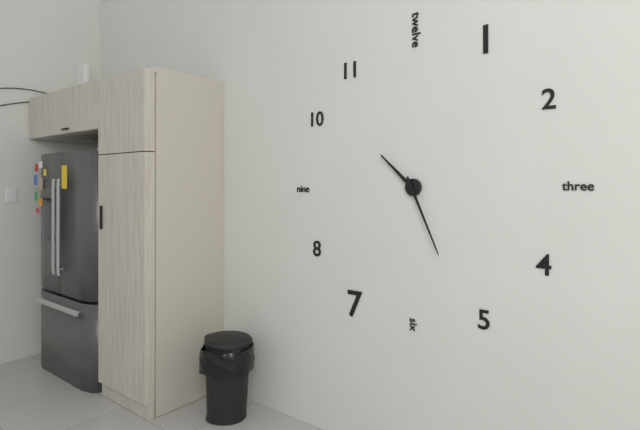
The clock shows 10:26
